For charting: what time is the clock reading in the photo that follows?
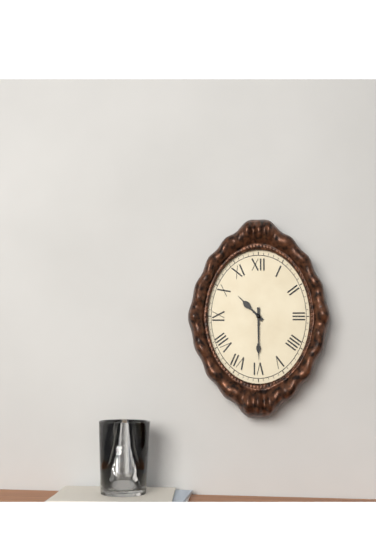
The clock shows 10:30
